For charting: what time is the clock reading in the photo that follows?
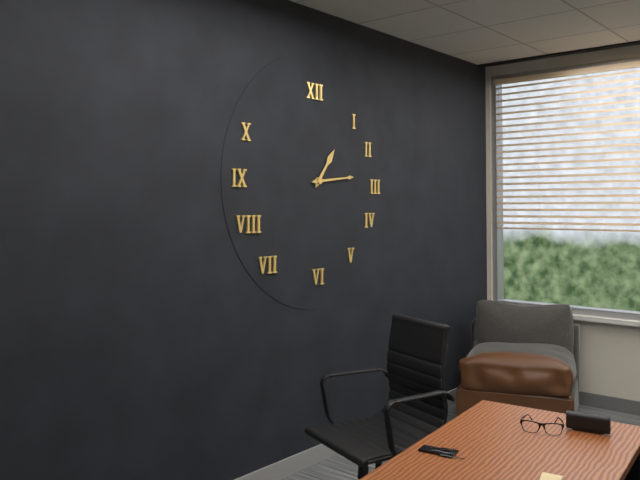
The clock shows 1:14
